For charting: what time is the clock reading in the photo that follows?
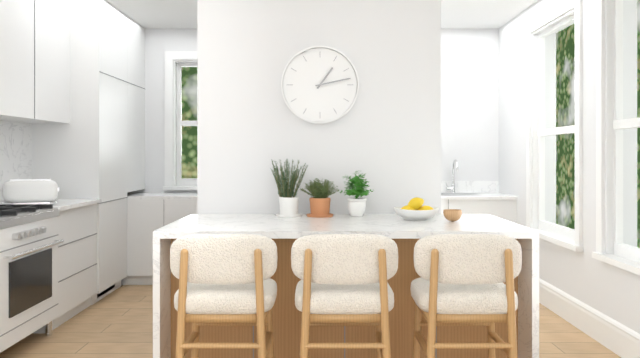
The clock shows 1:13
